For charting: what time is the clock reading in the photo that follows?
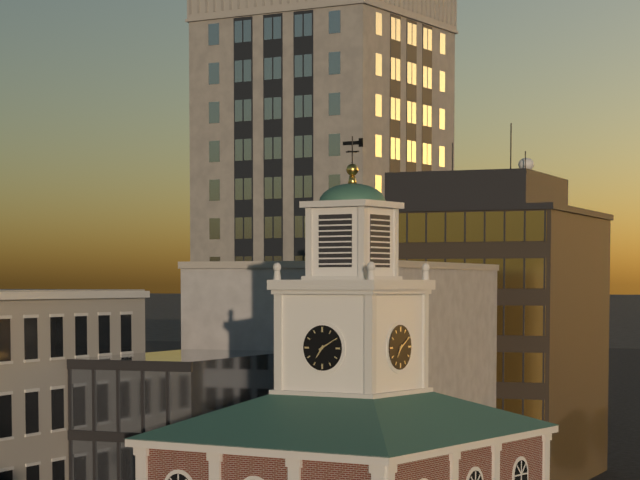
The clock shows 7:10
